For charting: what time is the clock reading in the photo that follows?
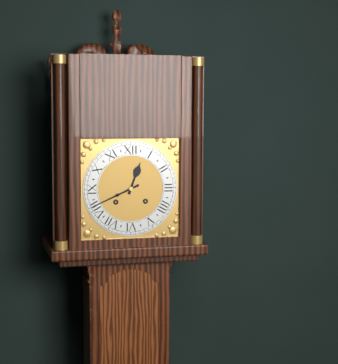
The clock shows 12:41
